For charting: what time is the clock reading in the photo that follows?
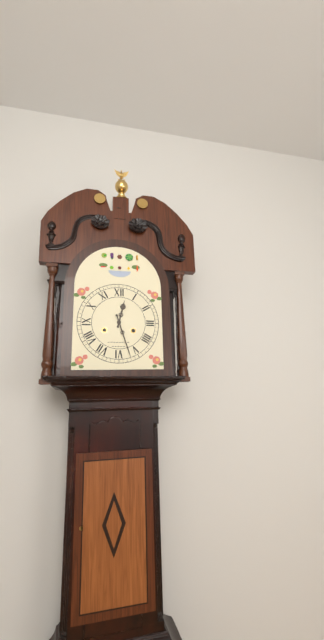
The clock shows 12:27
